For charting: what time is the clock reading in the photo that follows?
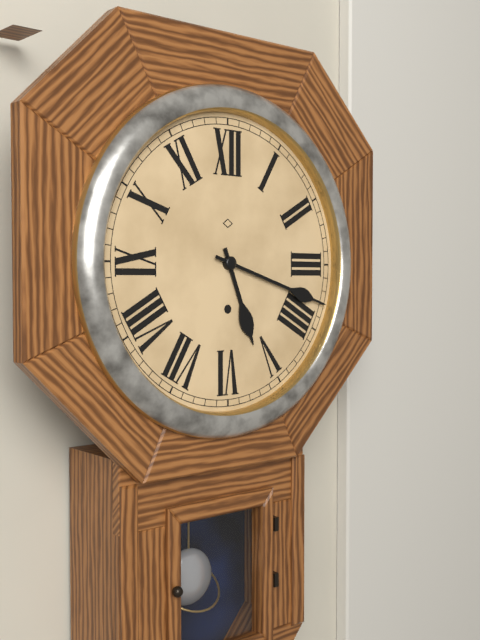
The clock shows 5:18
